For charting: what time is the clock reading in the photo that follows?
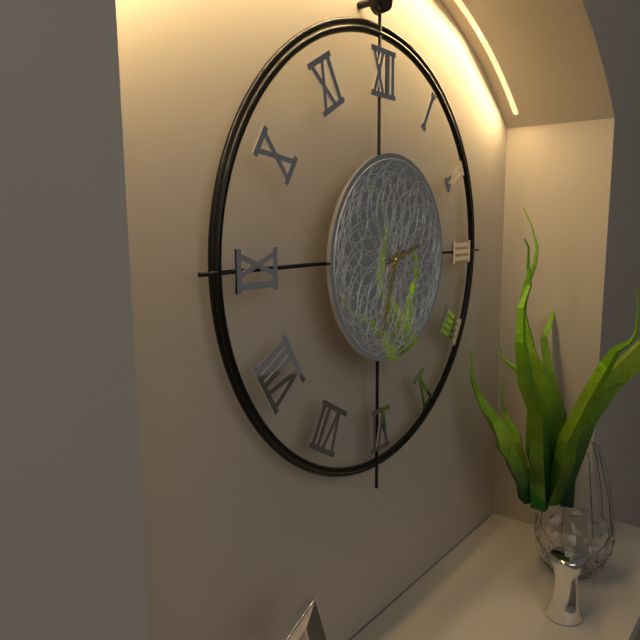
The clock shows 2:33
